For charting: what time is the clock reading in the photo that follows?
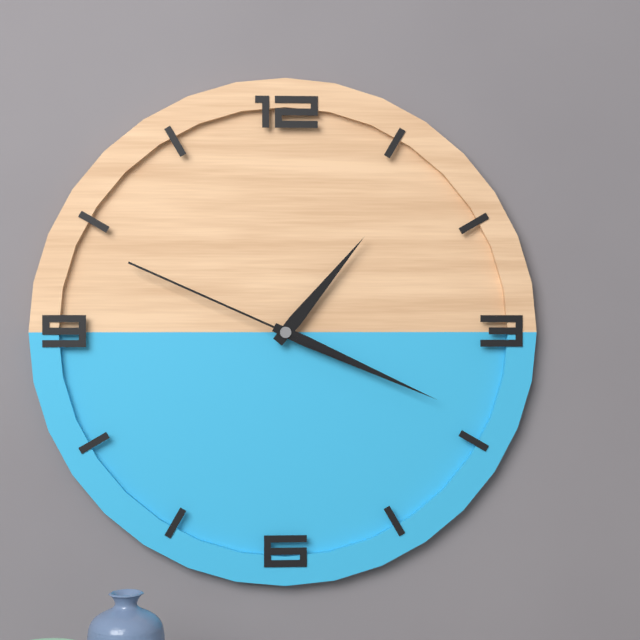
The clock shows 1:19:49
